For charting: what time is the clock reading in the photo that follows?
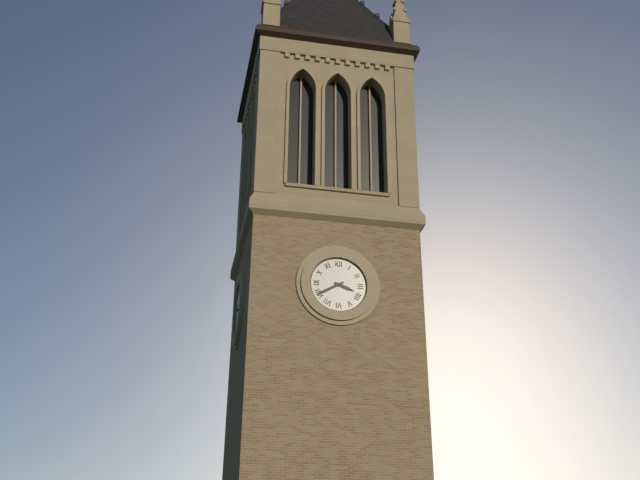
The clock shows 3:40
